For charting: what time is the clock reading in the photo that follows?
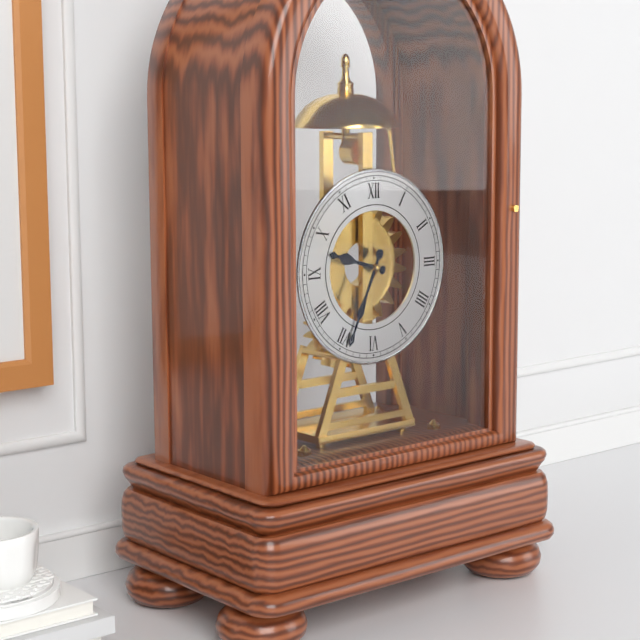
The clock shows 9:34
